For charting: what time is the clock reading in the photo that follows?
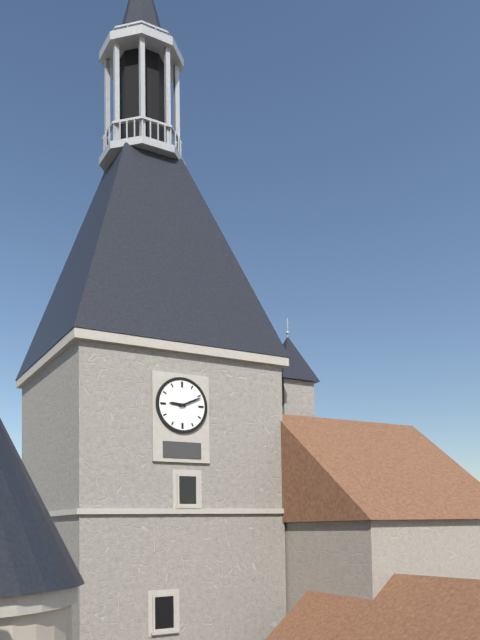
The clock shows 9:11
